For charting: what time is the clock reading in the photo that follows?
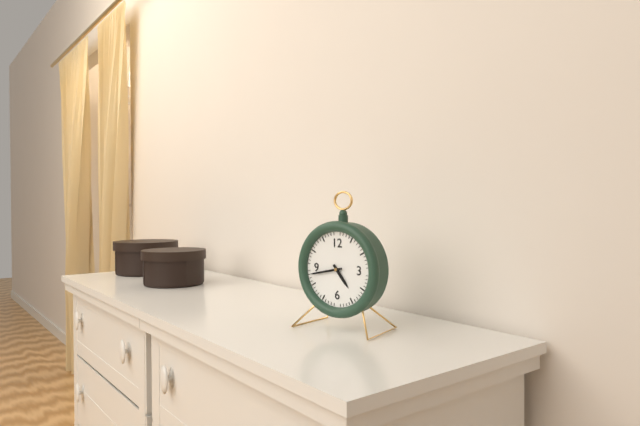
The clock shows 4:43
